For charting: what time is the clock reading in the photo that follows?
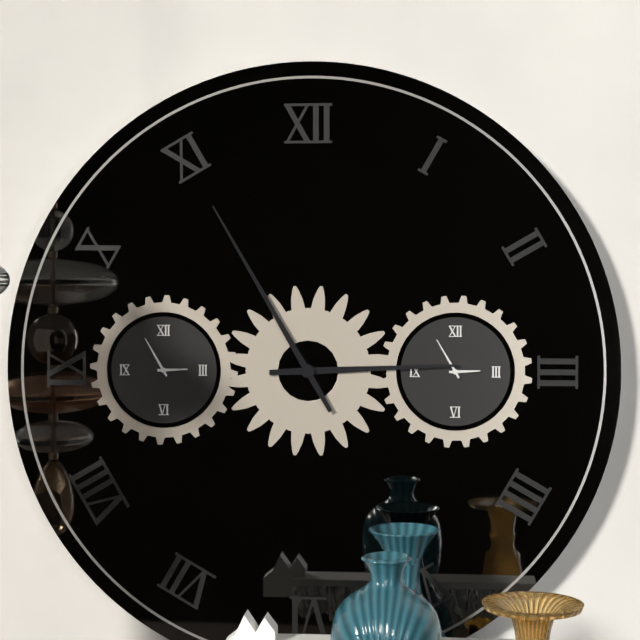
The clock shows 2:55
